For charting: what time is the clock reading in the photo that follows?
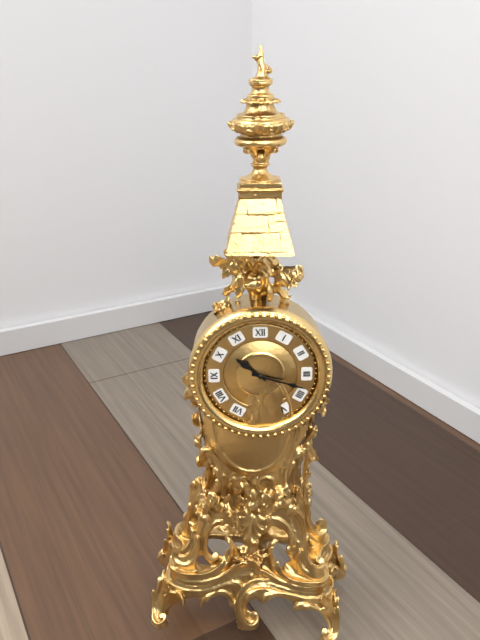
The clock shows 10:18
